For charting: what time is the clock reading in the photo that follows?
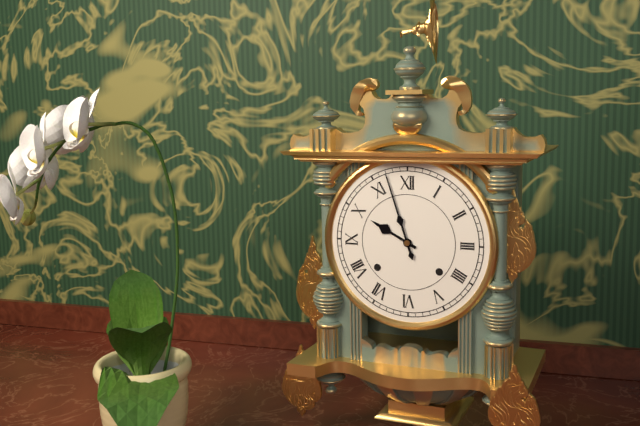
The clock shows 9:57
